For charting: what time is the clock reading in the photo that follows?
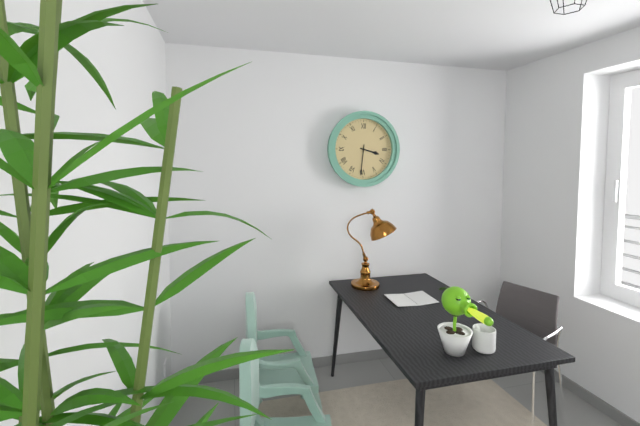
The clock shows 3:31
